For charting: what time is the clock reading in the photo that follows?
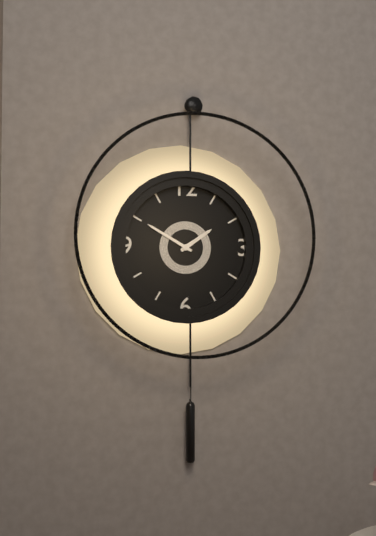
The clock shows 1:50
